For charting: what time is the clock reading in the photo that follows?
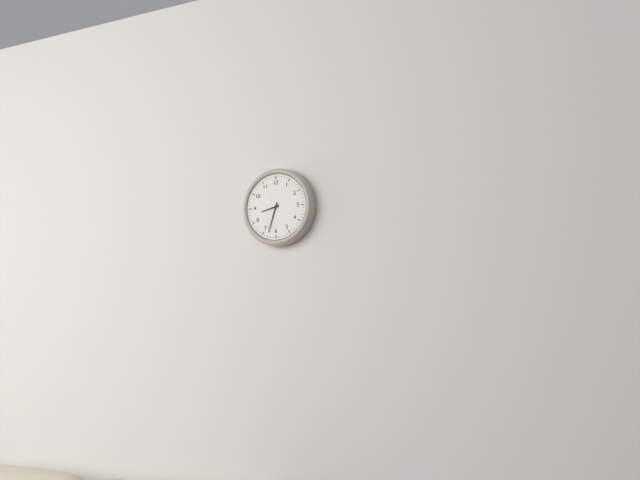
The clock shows 8:33
